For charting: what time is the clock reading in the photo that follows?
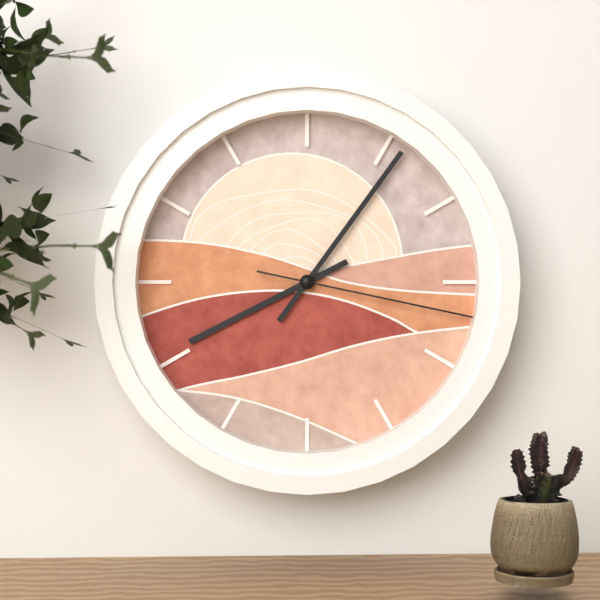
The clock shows 8:06:17
